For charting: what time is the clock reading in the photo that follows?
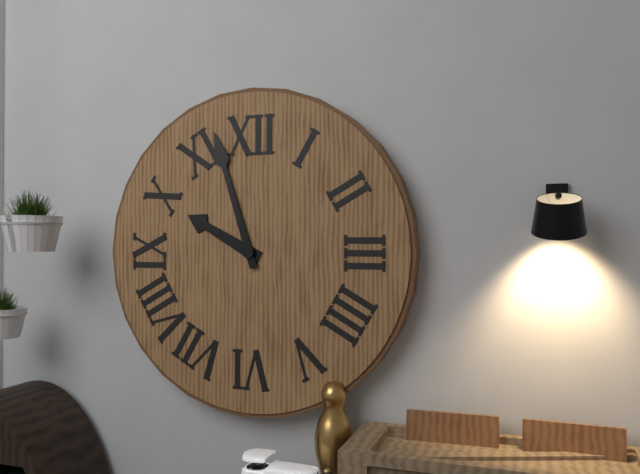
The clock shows 9:57
